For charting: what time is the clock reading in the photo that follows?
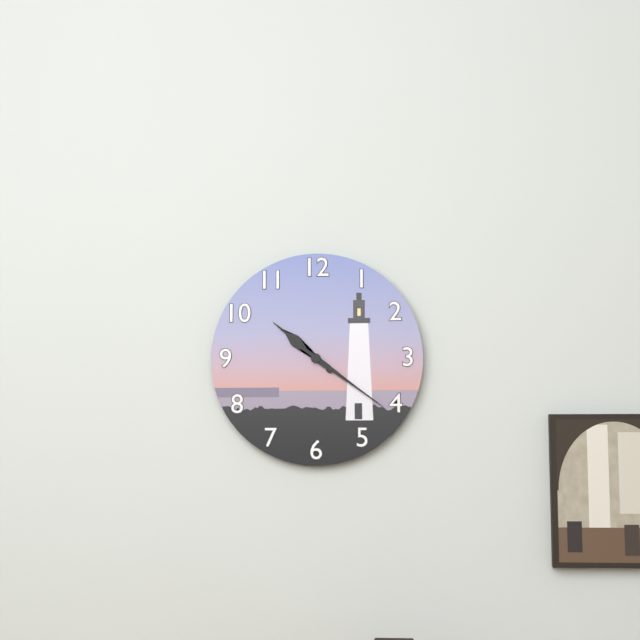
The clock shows 10:21
